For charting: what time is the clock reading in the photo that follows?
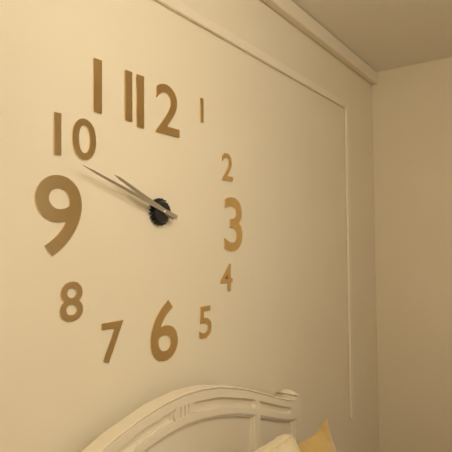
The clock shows 9:48
